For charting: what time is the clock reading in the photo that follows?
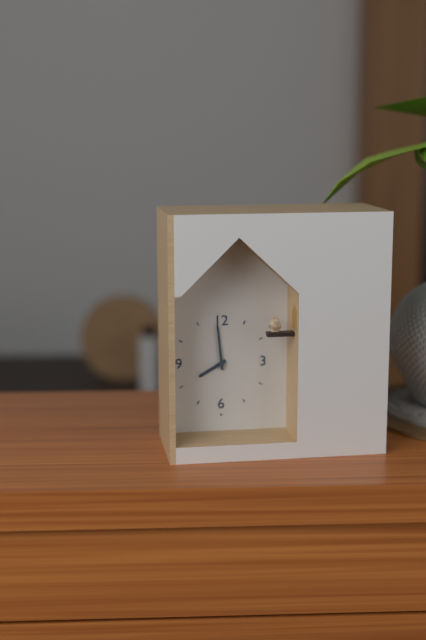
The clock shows 7:59
